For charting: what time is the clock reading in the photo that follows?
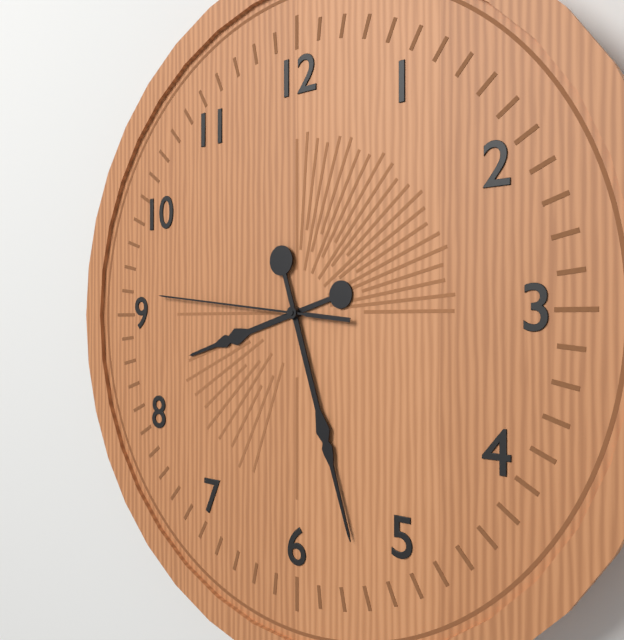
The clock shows 8:27:46
